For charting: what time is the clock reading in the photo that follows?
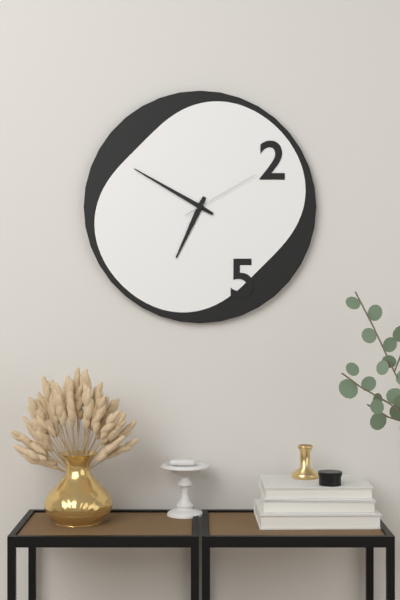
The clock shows 6:50:10
